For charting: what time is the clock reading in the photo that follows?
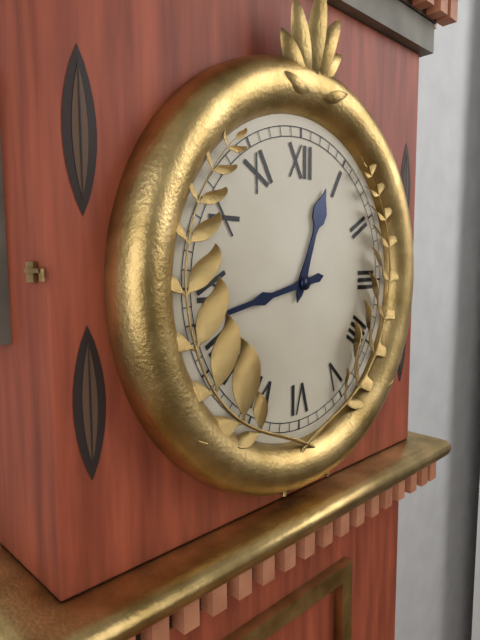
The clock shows 12:43
